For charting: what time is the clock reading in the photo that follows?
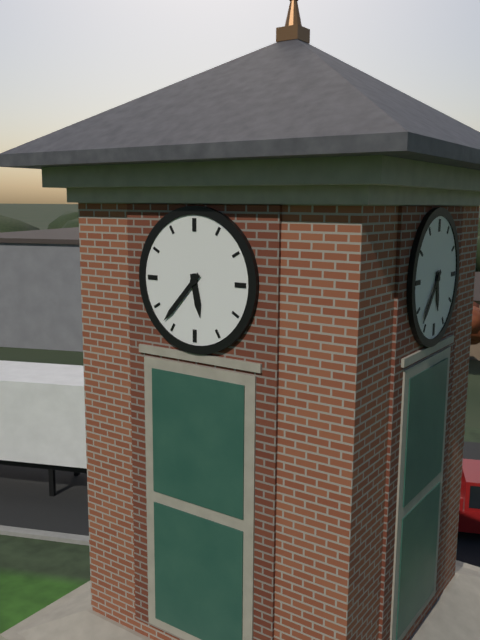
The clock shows 5:37
